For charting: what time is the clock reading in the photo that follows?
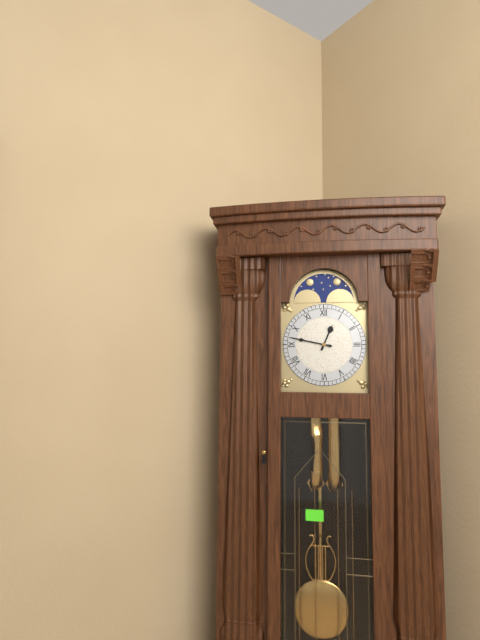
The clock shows 12:47
